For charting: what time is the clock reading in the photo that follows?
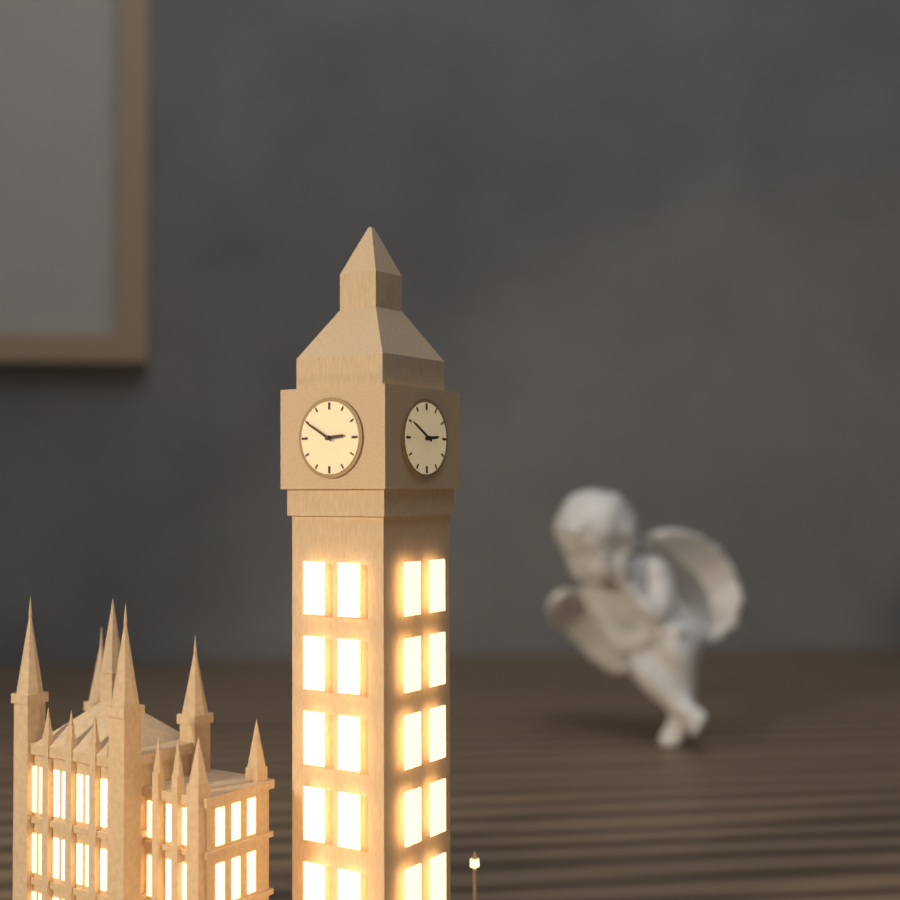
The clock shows 2:50
